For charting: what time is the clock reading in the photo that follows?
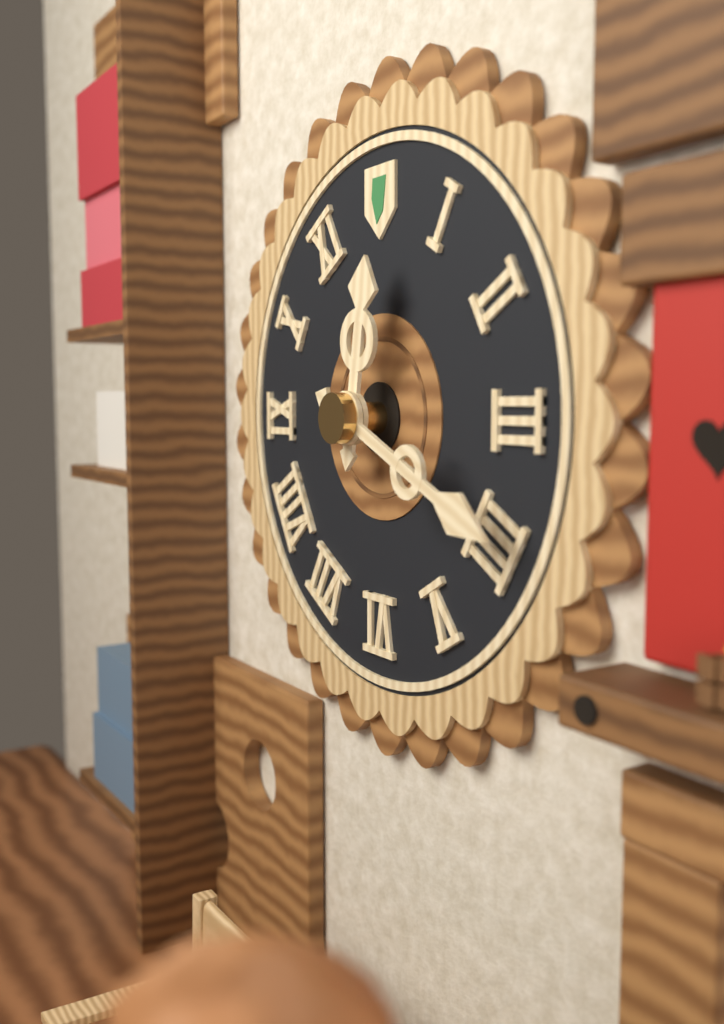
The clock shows 12:19
